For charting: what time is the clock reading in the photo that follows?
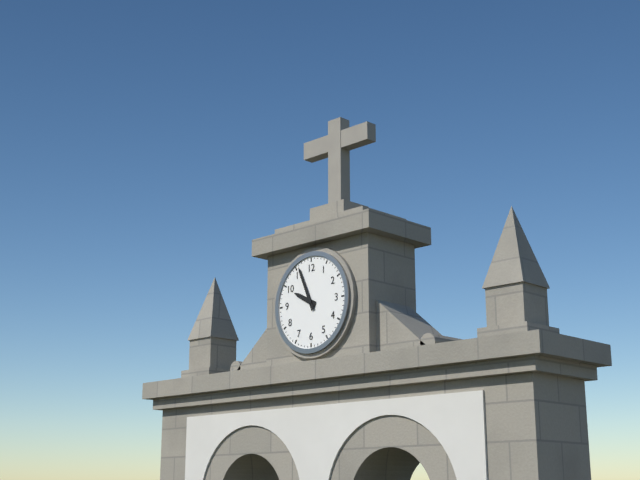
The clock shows 9:56
